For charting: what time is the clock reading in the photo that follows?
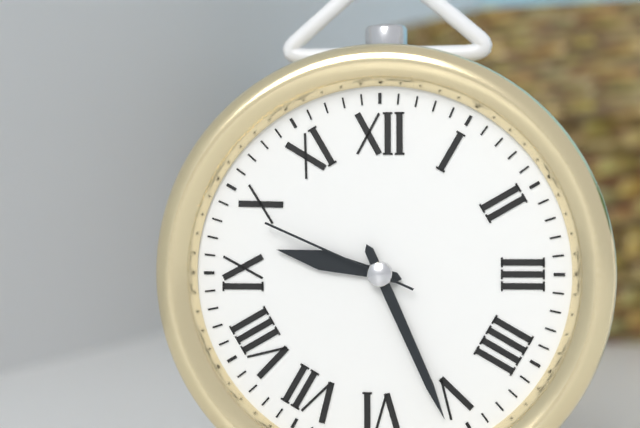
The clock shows 9:26:49
